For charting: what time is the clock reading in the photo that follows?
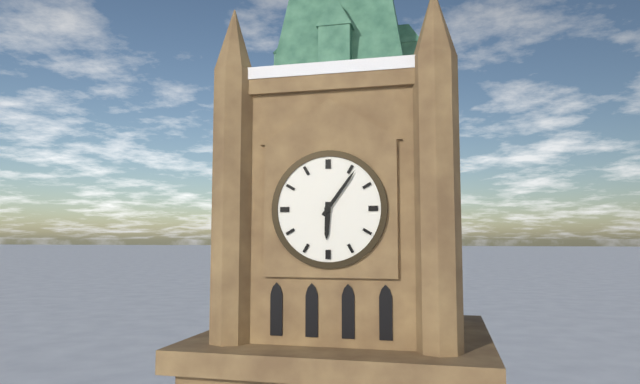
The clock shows 6:06
